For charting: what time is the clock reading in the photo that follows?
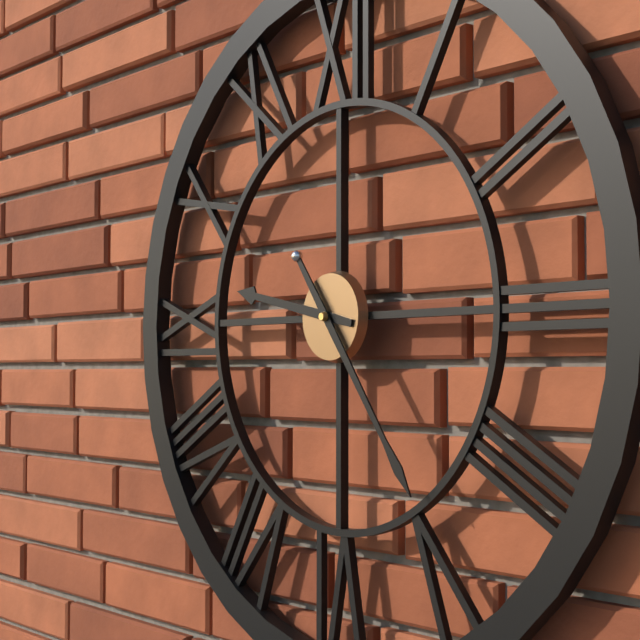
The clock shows 9:24
